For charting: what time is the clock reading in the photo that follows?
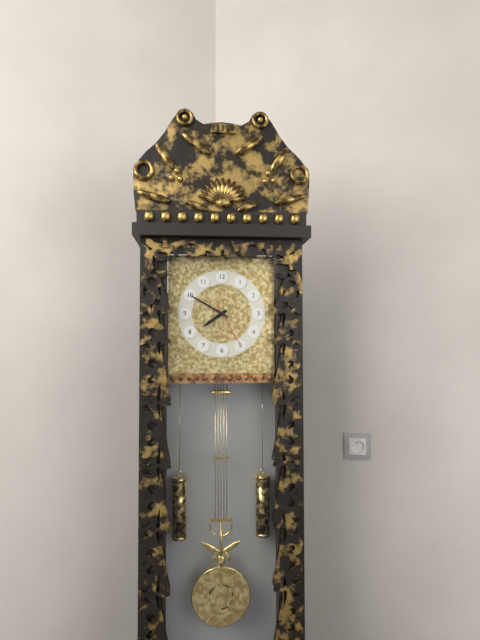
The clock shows 7:50
